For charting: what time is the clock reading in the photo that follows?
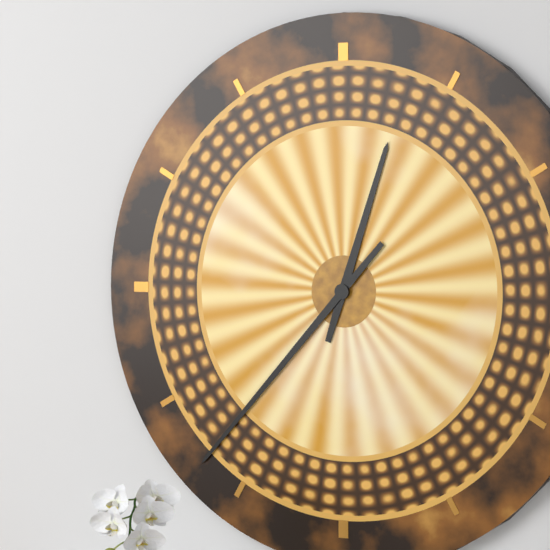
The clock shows 12:37
